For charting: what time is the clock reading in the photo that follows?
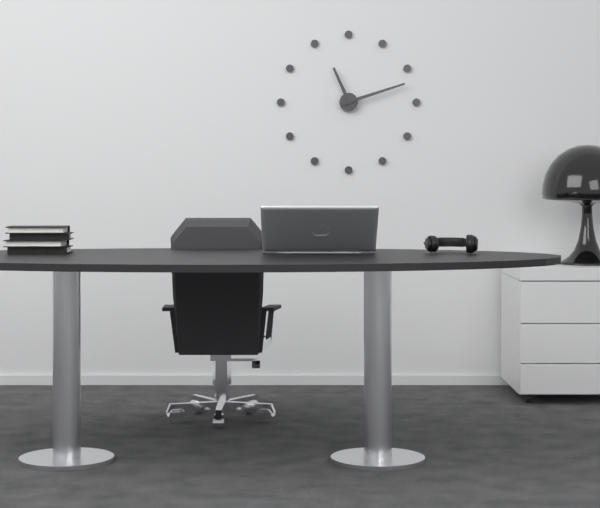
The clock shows 11:12
